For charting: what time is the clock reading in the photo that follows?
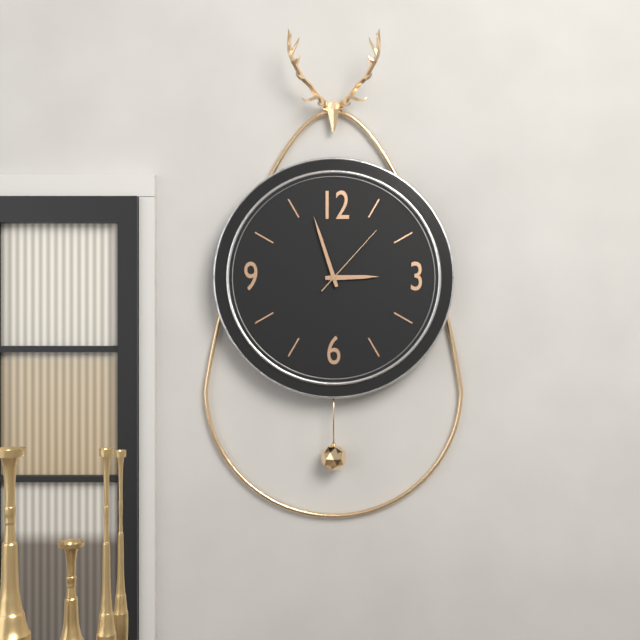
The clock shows 2:57:07
